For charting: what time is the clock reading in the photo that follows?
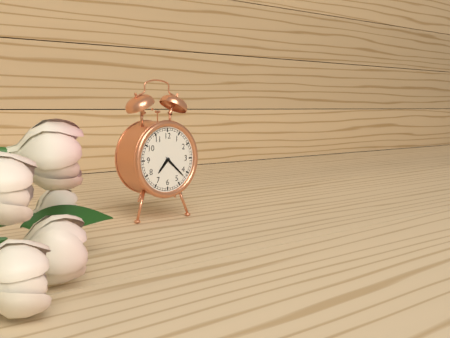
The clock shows 7:22
